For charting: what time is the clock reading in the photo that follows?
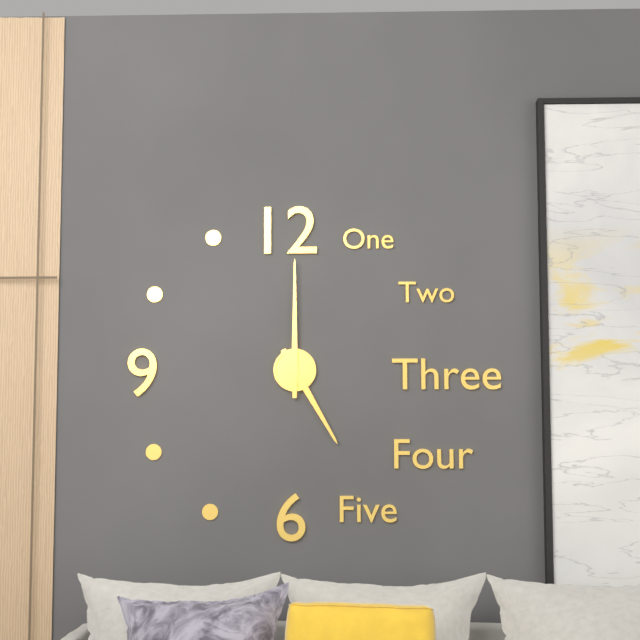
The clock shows 5:00
